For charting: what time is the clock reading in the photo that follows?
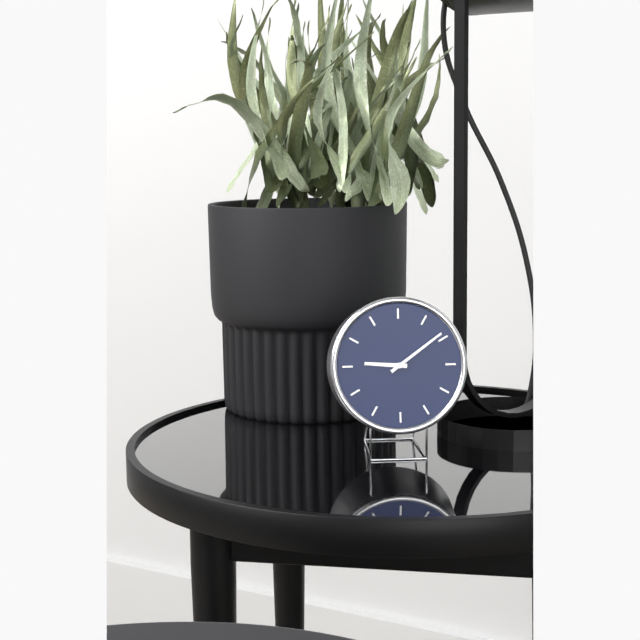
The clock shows 9:09
